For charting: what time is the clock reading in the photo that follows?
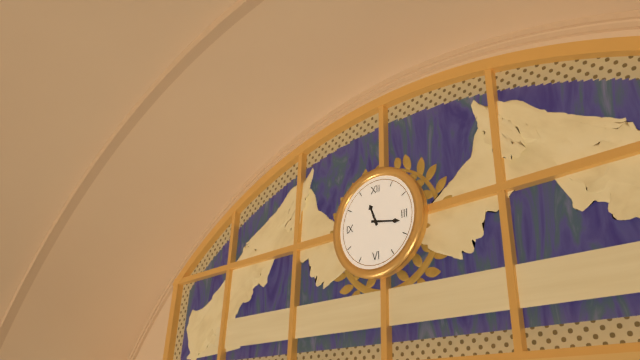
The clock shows 11:17
